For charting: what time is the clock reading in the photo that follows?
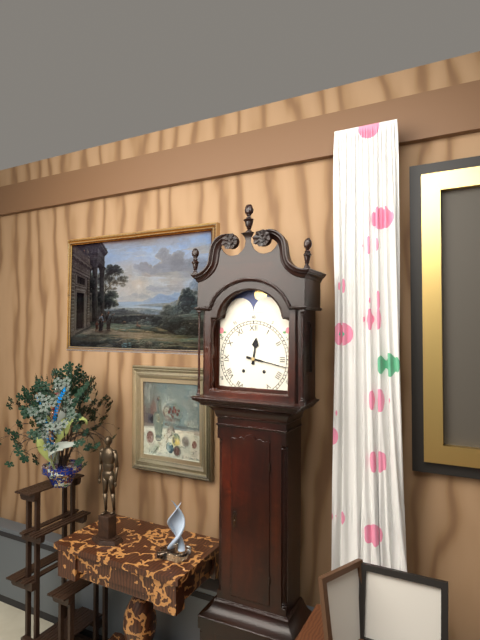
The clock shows 12:17
